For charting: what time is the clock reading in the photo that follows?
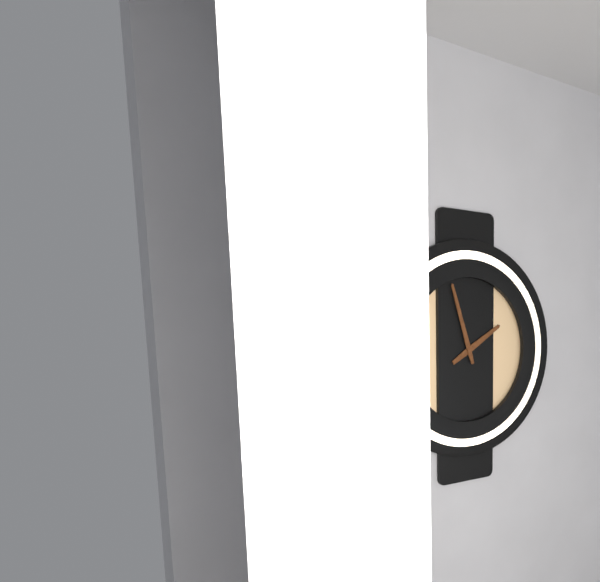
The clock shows 1:57
